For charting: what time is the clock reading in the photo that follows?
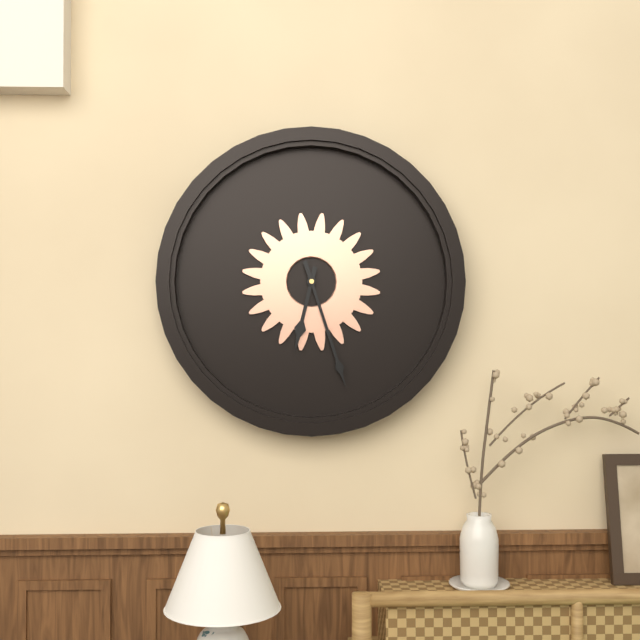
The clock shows 6:27
